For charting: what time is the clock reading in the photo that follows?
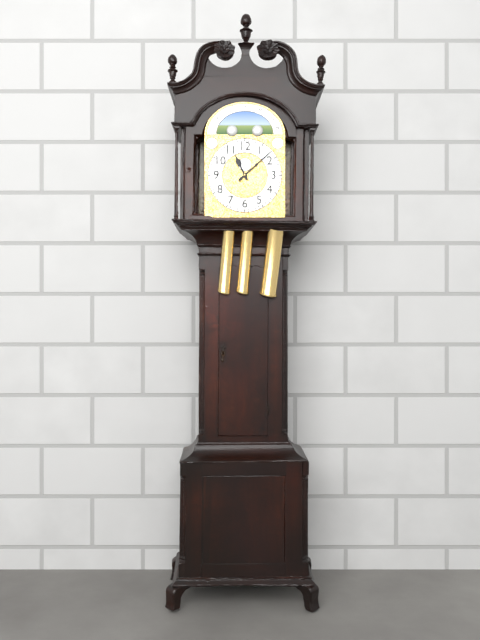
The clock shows 11:08
